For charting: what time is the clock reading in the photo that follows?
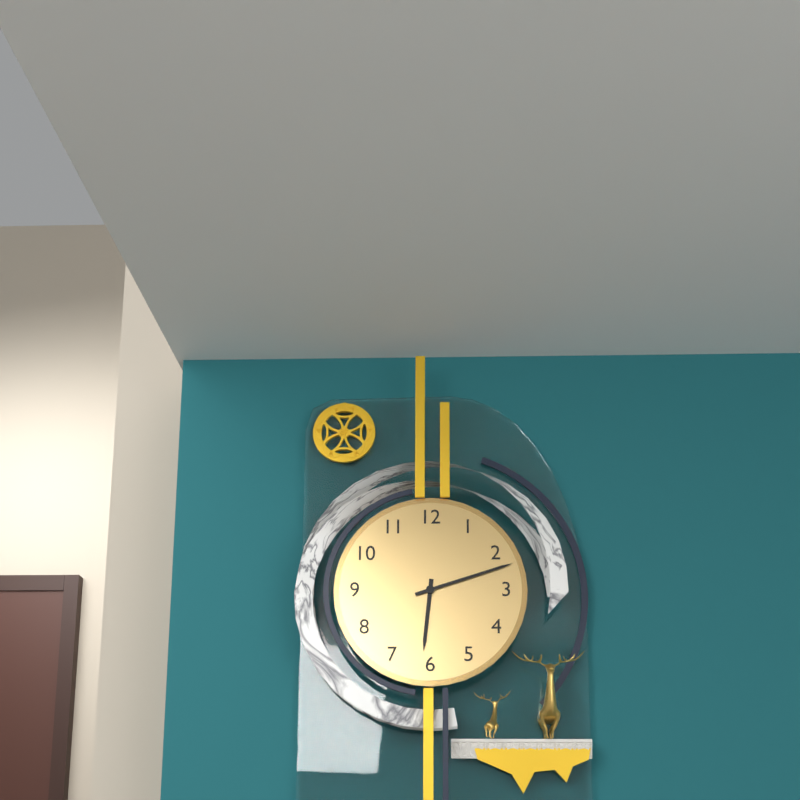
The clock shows 6:12
